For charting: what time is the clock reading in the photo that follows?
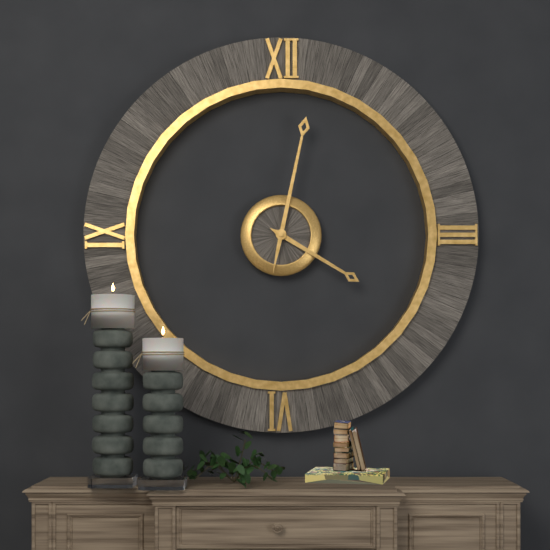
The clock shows 4:02
